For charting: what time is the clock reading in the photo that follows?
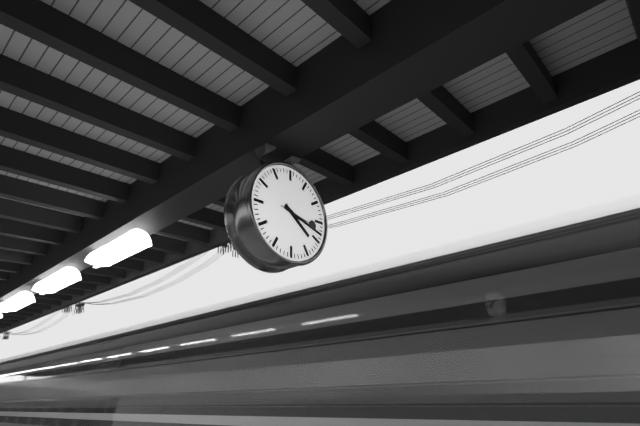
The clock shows 4:18
